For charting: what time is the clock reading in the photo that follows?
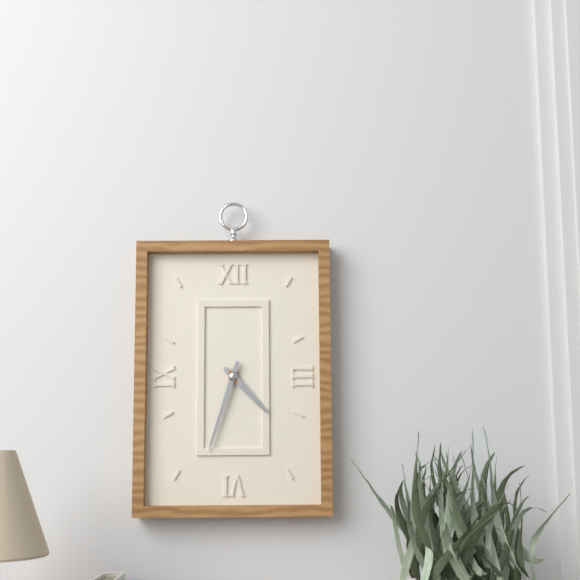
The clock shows 4:33
